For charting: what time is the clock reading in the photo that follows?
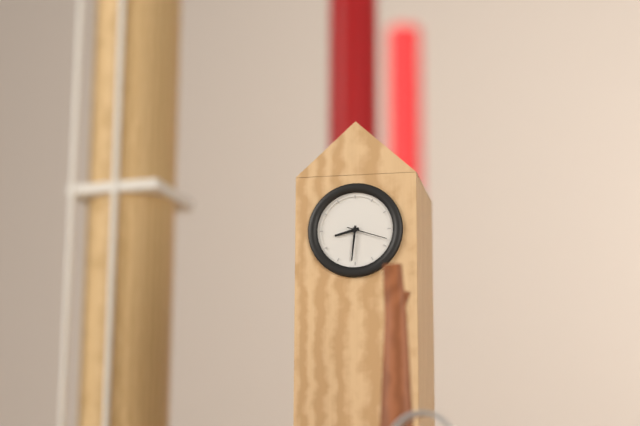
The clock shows 8:31
